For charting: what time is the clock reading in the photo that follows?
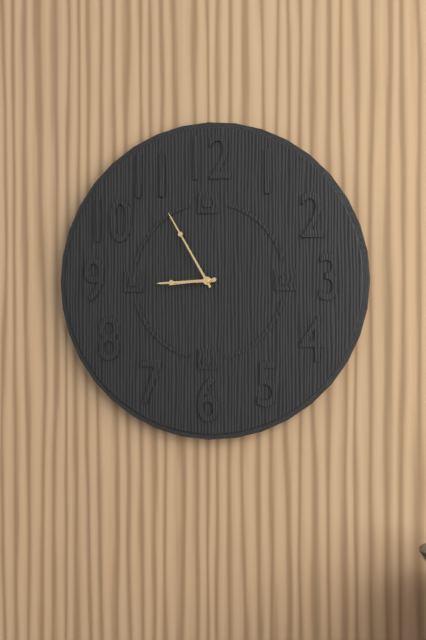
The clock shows 8:55
